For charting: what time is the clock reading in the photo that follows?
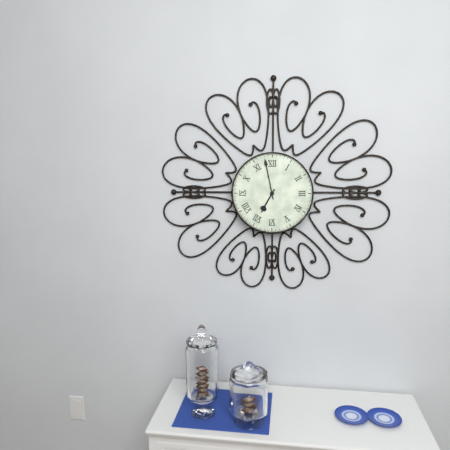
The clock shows 6:58
